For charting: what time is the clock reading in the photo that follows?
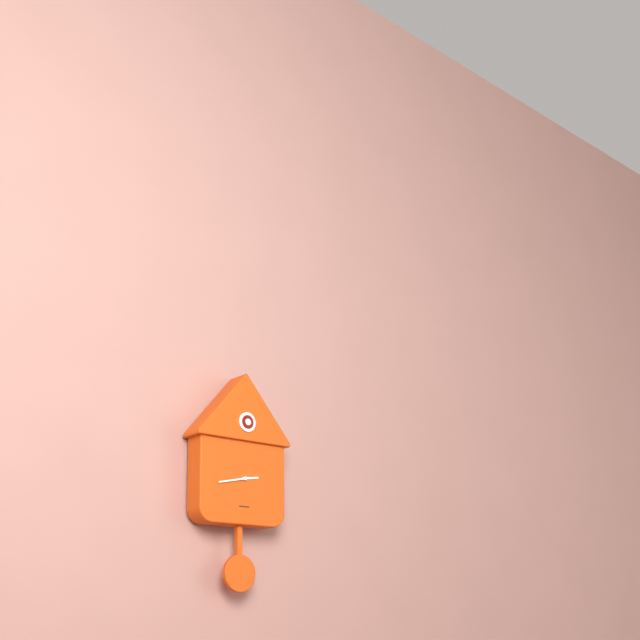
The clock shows 2:43
